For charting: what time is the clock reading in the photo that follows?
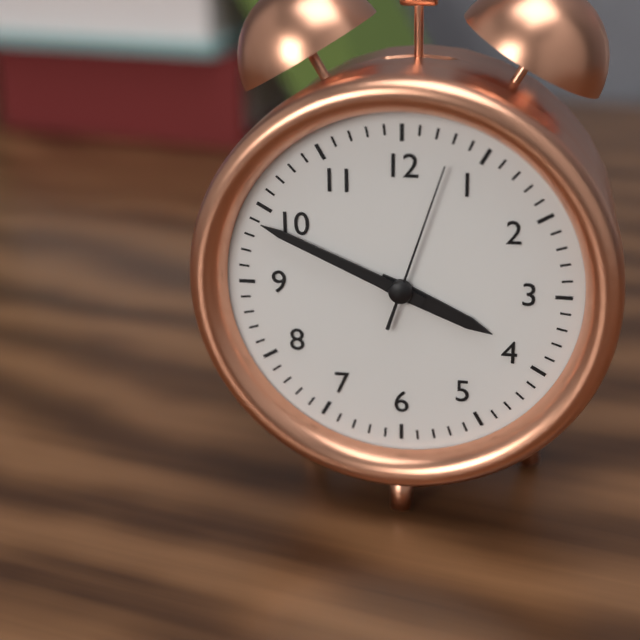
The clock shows 3:49:03
